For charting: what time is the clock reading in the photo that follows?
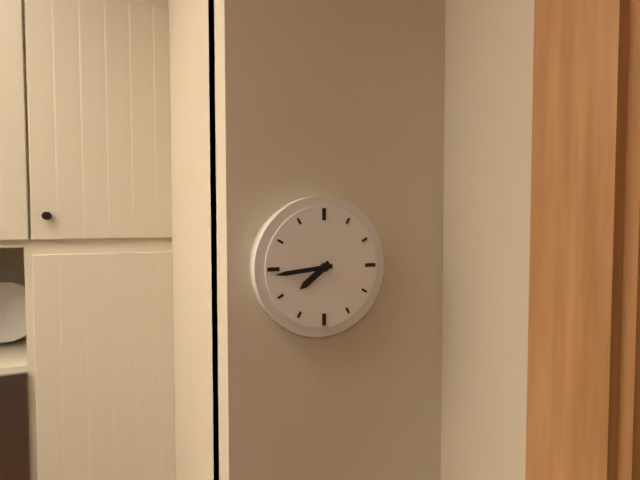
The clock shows 7:44
